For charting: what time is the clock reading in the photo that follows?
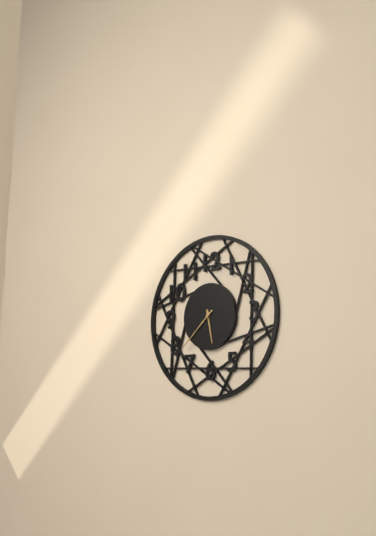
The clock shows 5:38
